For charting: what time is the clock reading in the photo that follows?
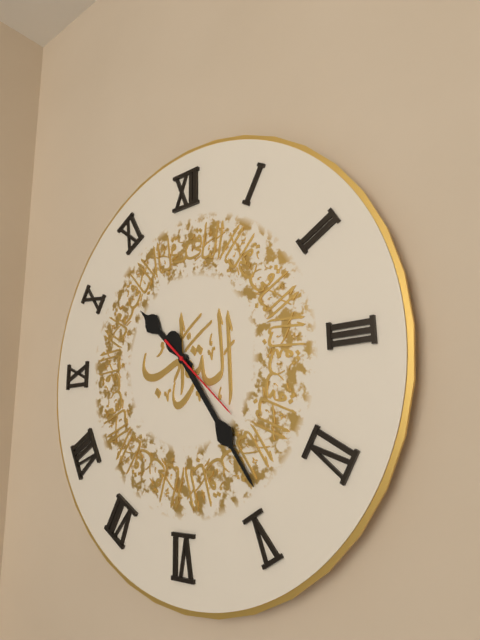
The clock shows 10:24:22
